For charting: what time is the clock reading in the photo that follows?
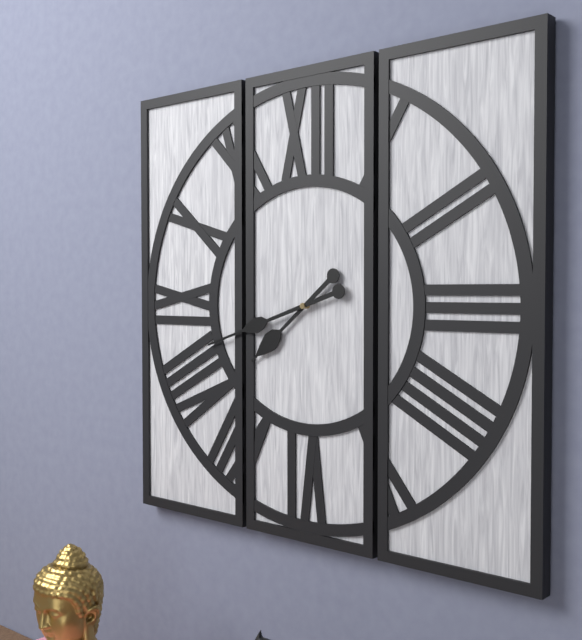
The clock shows 7:42
